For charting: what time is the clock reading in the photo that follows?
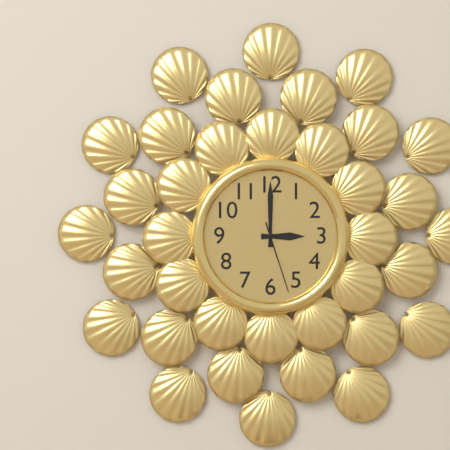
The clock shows 3:00:27
